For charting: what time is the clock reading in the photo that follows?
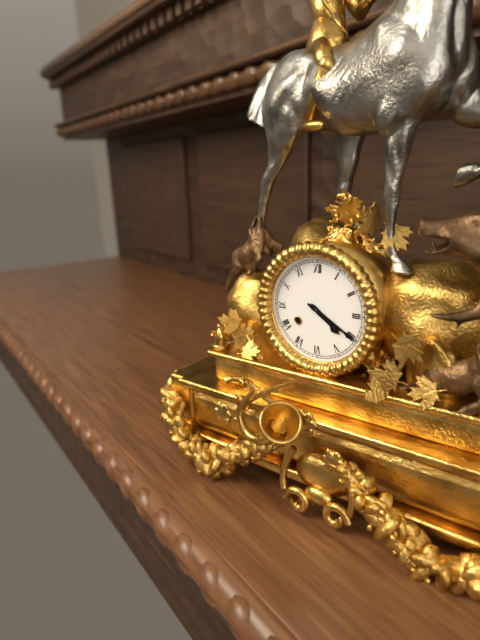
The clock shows 4:20
